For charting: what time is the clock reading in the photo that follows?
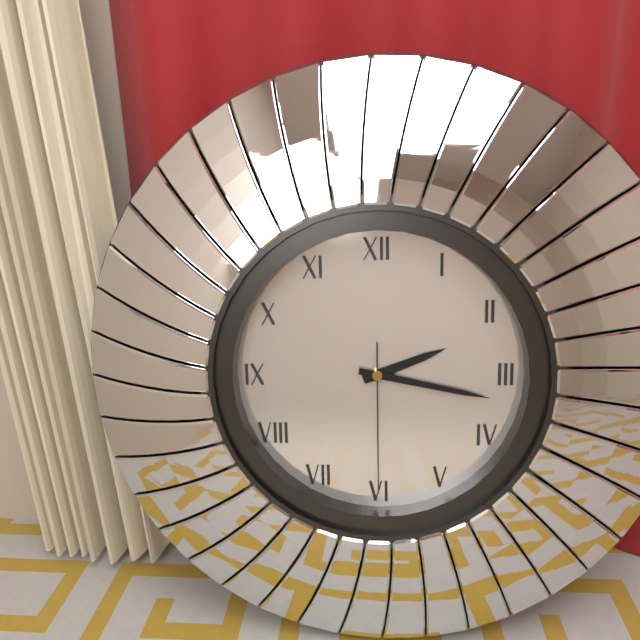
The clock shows 2:17:30
